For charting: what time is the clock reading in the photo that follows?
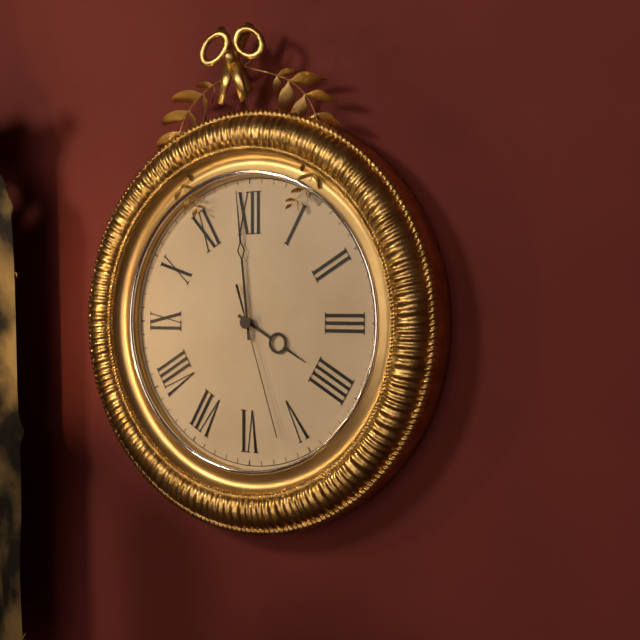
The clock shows 3:59:27
